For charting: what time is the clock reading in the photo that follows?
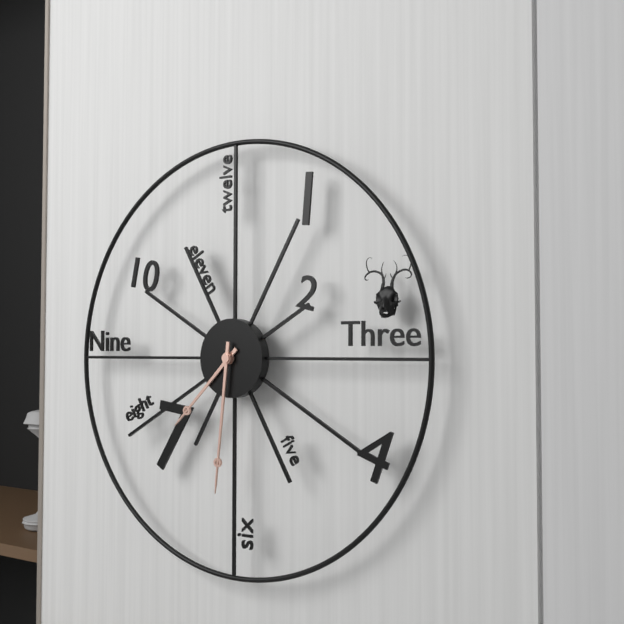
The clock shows 7:31
